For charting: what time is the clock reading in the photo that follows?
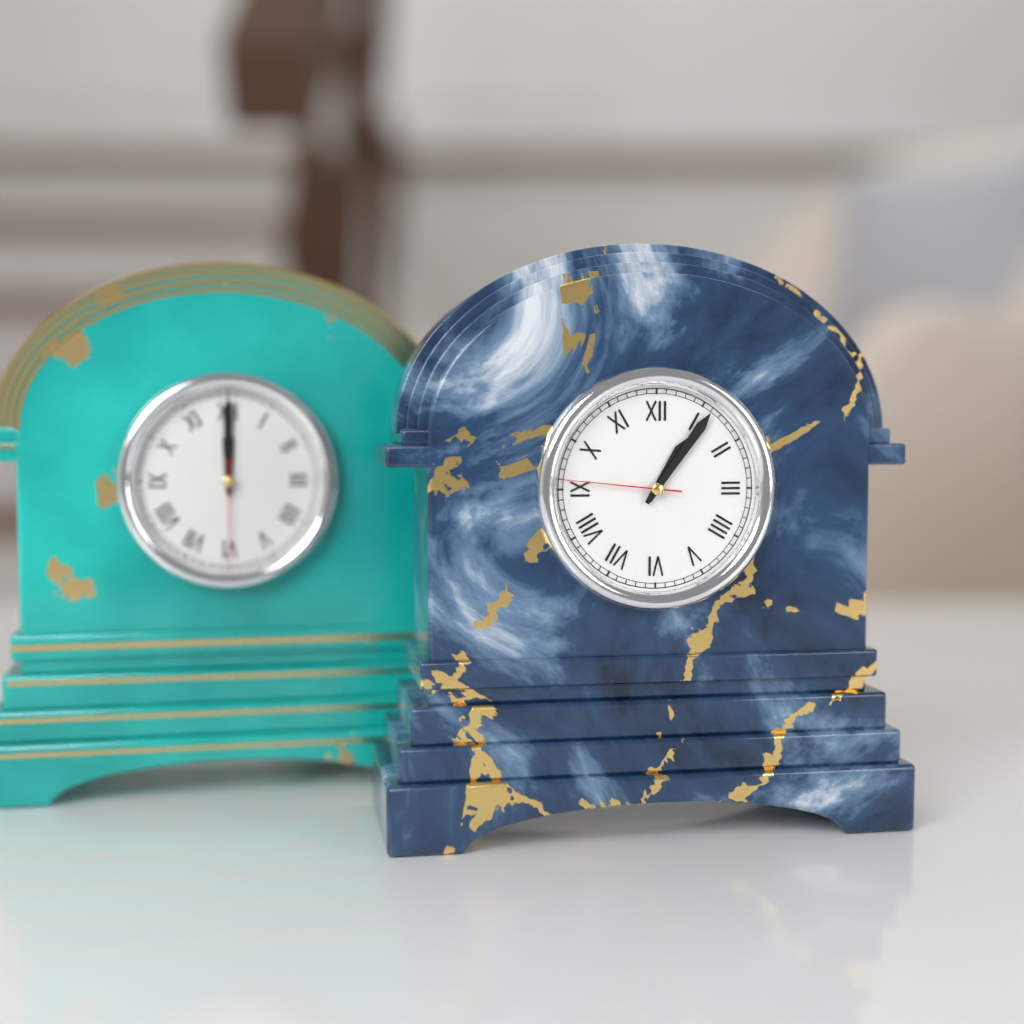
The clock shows 1:06:46
